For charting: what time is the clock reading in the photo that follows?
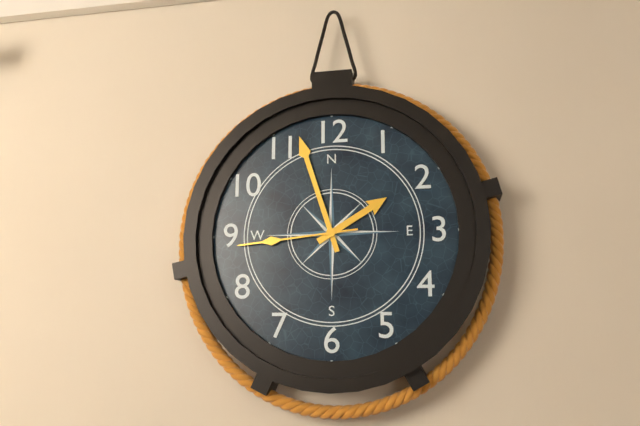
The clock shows 1:57:44
